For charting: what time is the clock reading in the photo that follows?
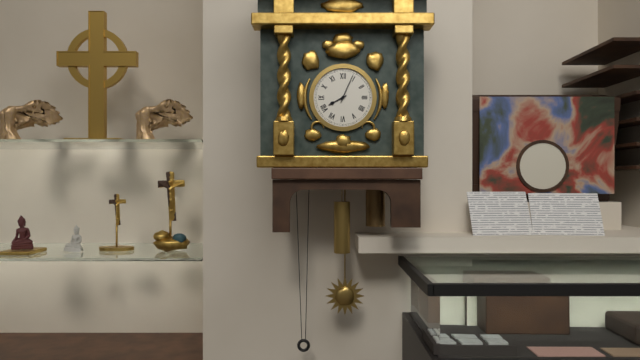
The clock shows 8:04
